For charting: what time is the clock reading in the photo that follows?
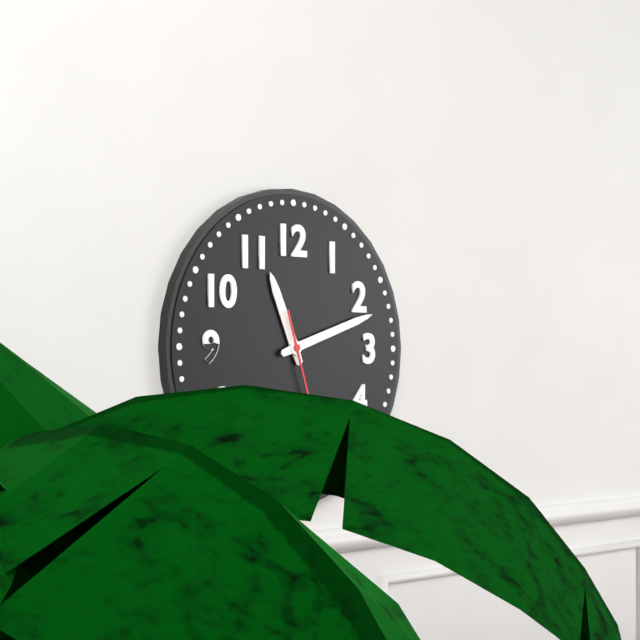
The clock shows 11:12
